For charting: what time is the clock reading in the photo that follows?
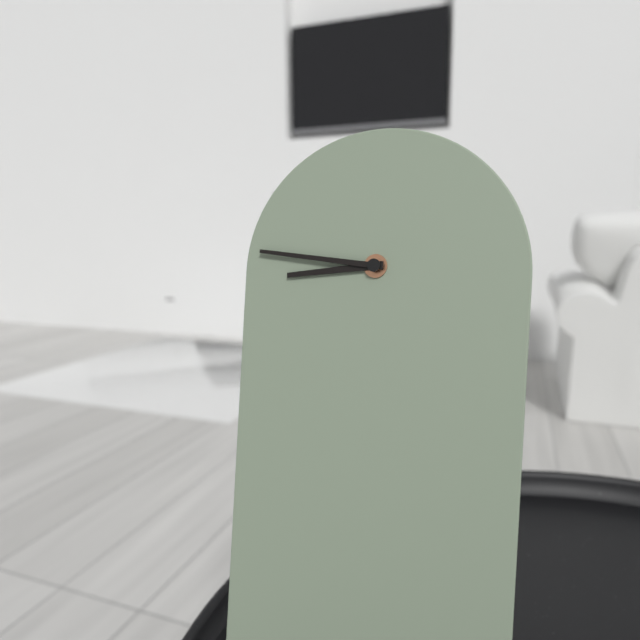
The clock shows 8:46
